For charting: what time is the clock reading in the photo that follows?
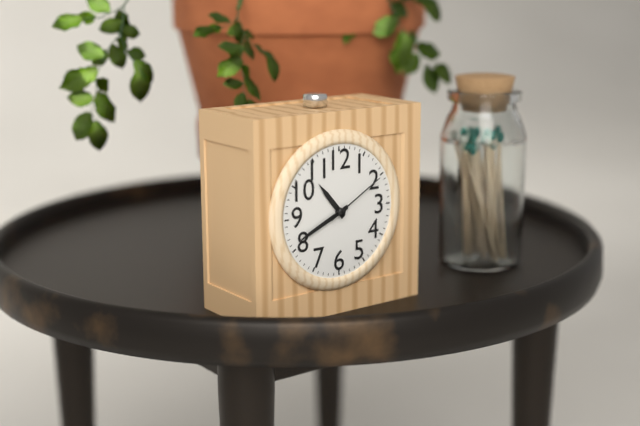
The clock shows 10:41:10
